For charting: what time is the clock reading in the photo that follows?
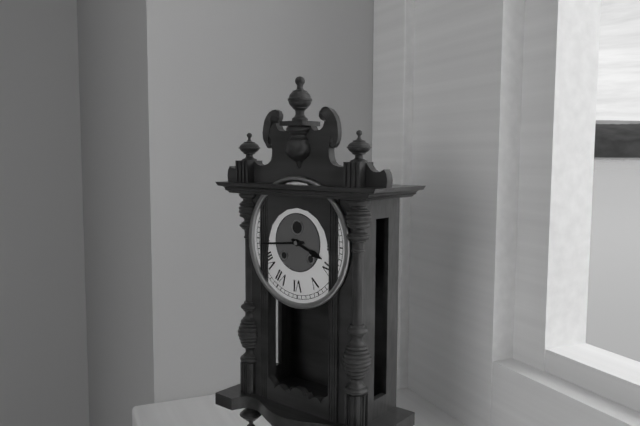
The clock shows 3:44
